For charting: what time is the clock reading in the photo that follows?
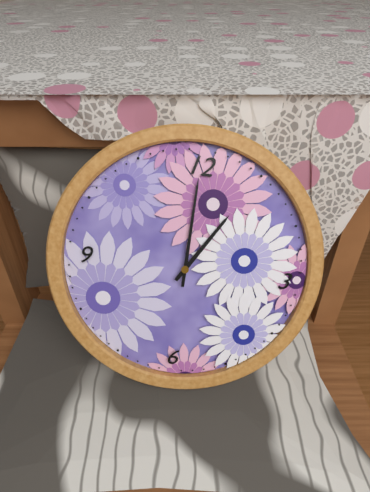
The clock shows 1:00
